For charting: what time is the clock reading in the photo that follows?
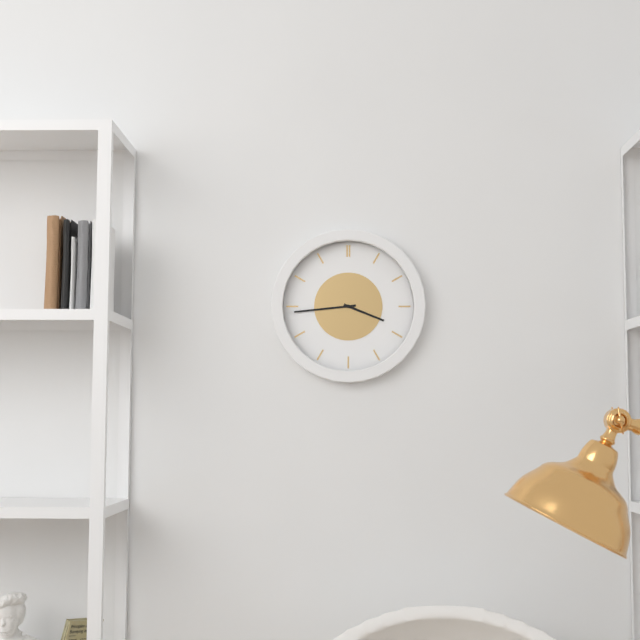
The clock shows 3:44
